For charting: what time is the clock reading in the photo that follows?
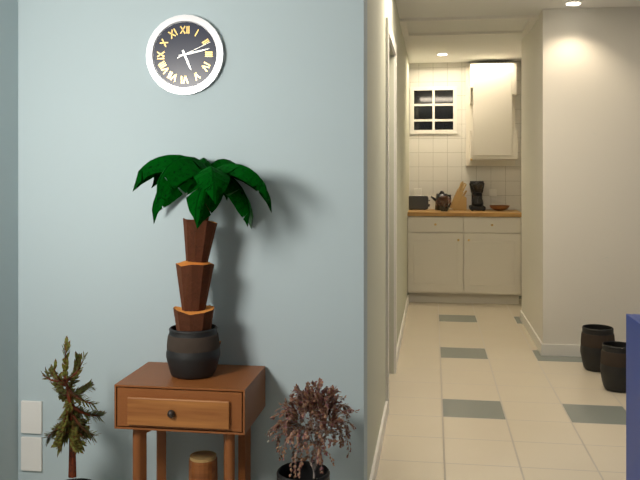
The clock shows 5:13
